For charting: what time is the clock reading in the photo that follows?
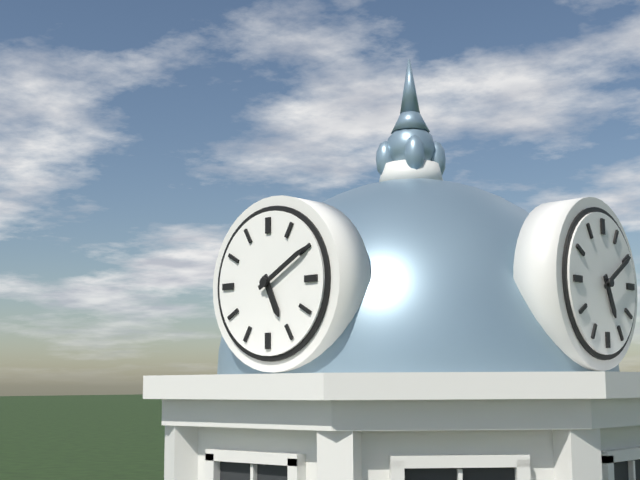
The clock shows 5:10
